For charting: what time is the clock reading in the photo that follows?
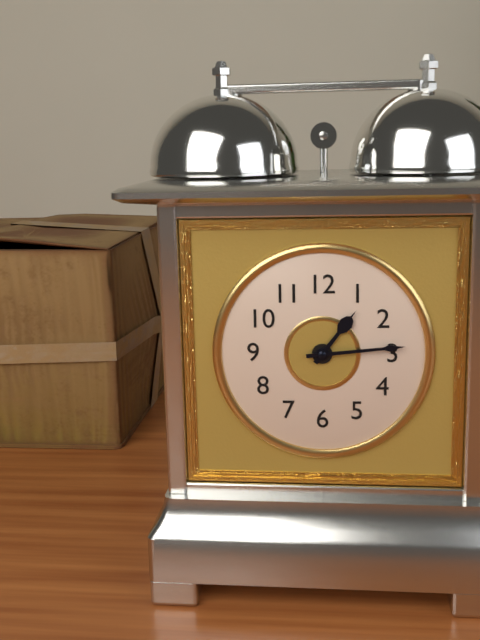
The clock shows 1:14
